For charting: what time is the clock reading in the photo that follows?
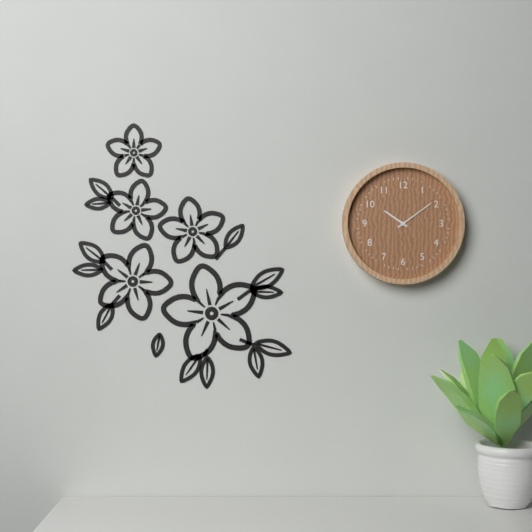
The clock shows 10:09
